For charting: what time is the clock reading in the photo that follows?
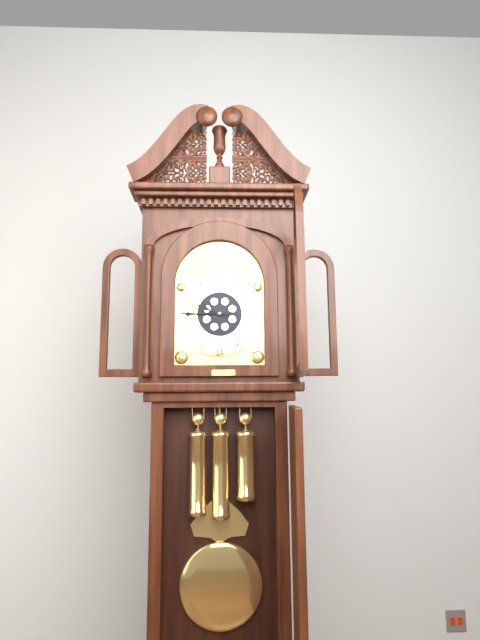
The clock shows 9:45
